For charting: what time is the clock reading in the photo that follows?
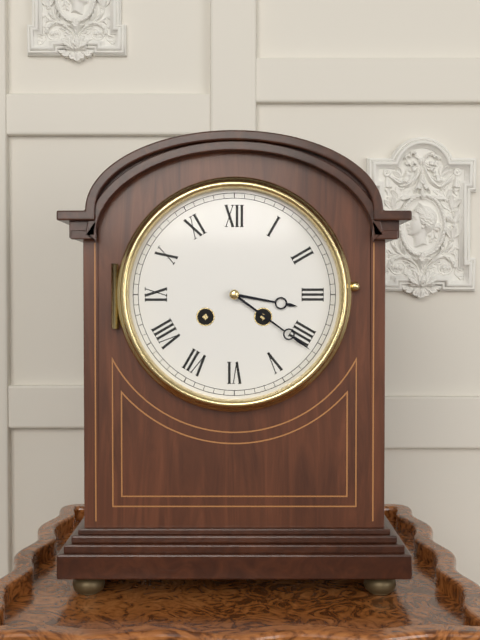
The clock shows 3:21
